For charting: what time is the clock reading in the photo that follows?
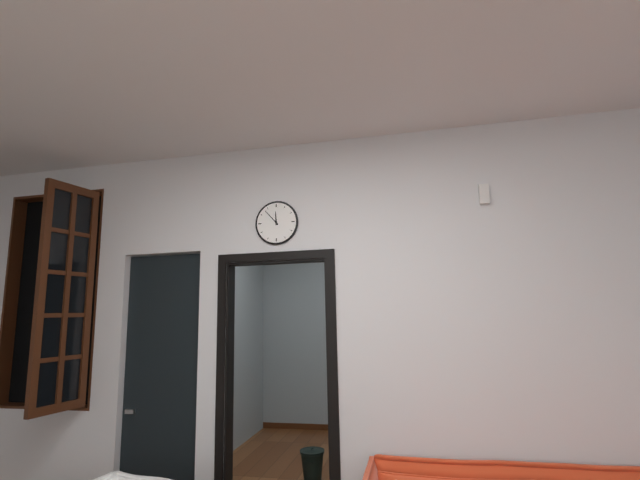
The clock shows 11:53
